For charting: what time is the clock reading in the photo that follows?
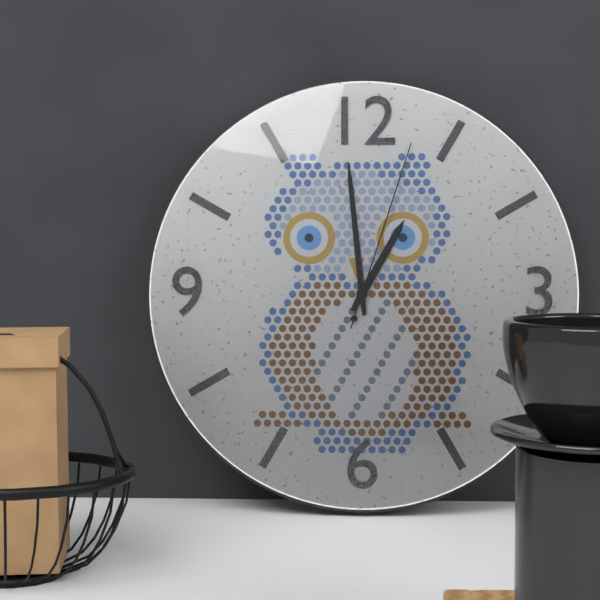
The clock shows 12:59:03
